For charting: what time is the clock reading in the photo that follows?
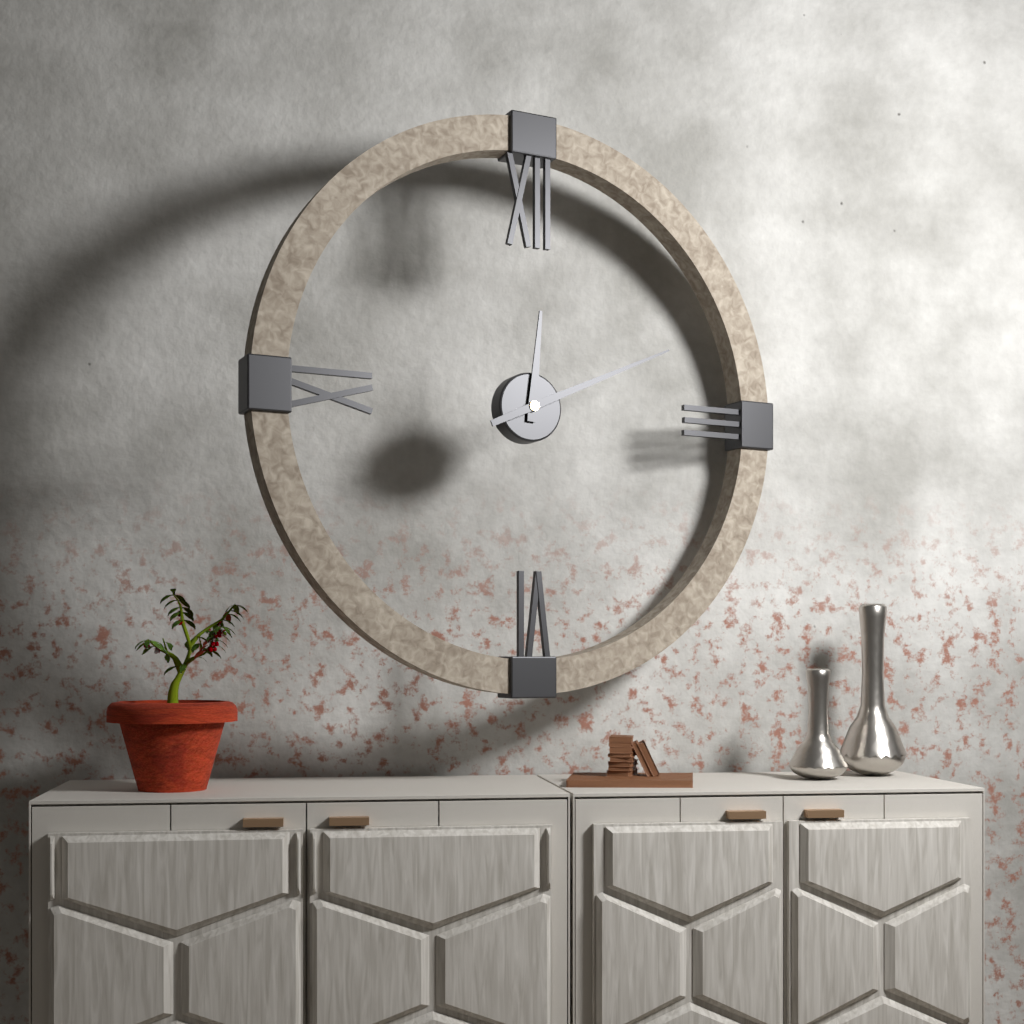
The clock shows 12:11
